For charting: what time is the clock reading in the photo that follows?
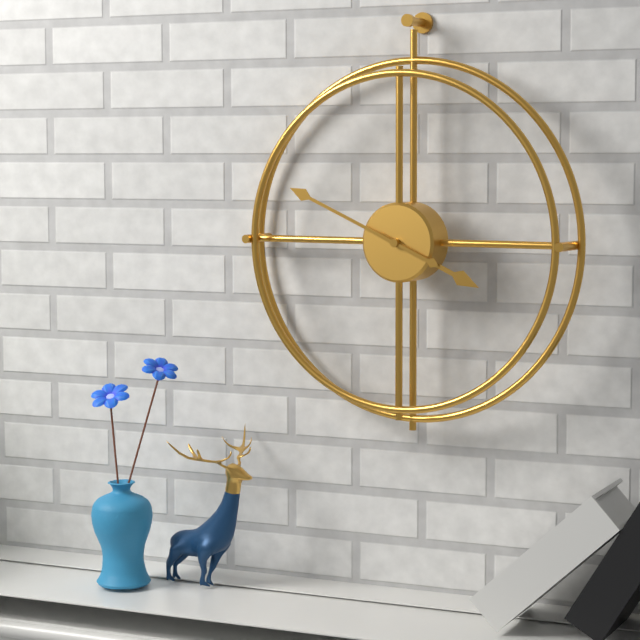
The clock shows 3:49
